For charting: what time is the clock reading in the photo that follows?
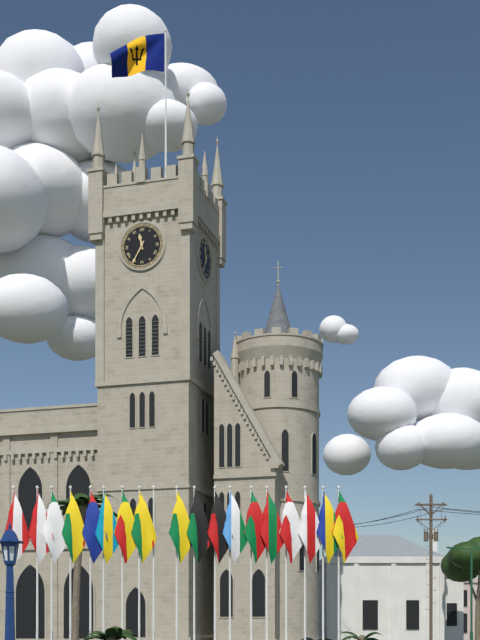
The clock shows 11:35
